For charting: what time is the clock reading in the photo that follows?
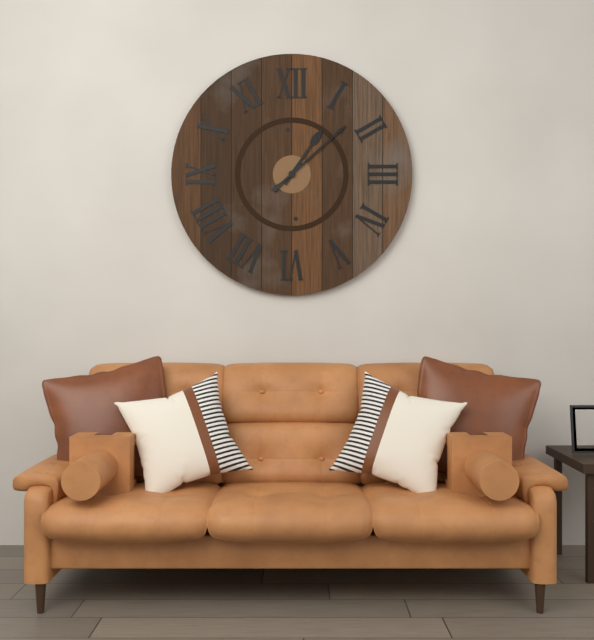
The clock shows 1:08
